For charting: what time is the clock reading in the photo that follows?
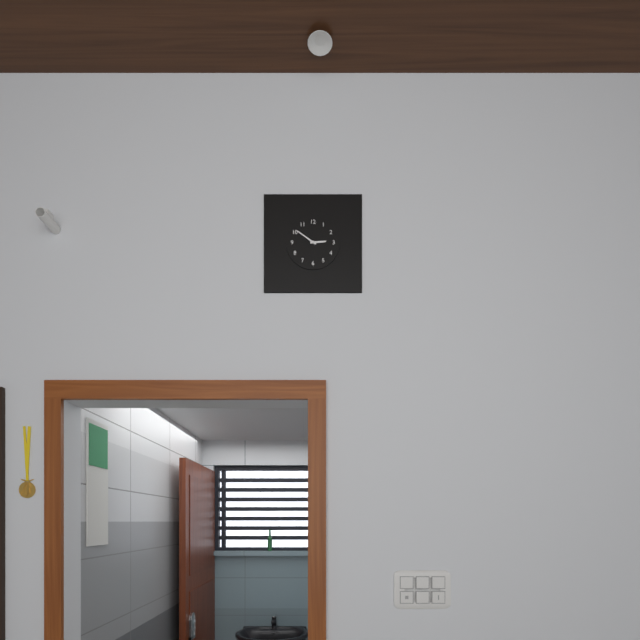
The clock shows 2:51
